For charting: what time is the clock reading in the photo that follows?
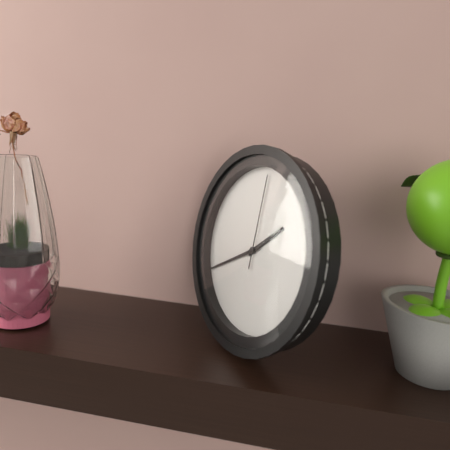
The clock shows 1:40:00
